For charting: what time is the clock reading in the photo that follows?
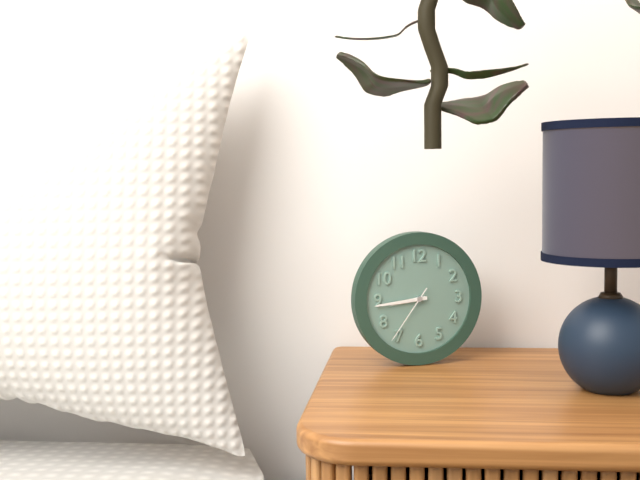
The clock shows 8:44:36
